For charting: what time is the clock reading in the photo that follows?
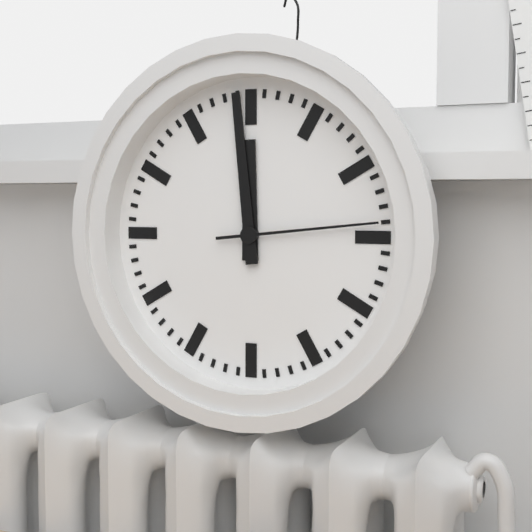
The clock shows 11:59:14
